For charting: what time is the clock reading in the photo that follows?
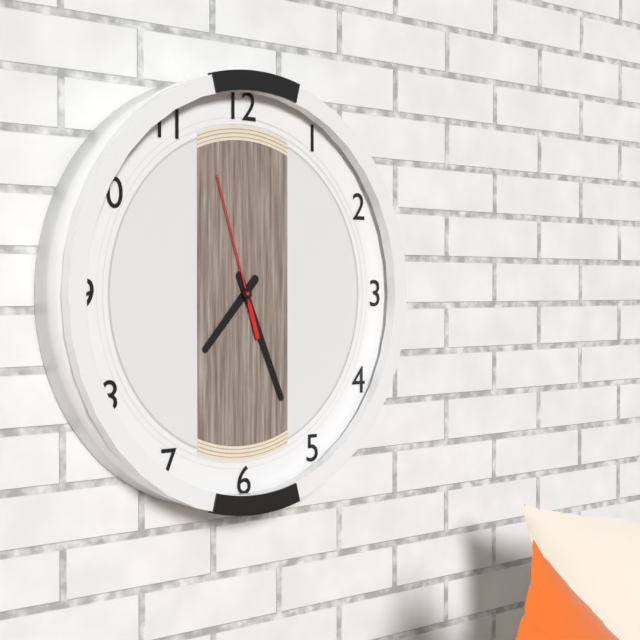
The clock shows 7:26:57
